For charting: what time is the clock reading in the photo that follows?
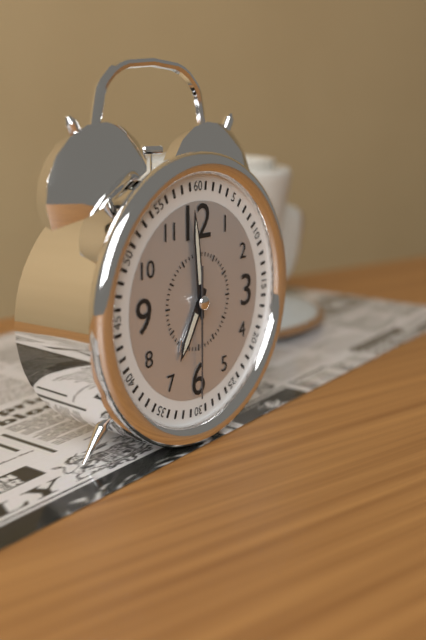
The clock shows 6:59:30
